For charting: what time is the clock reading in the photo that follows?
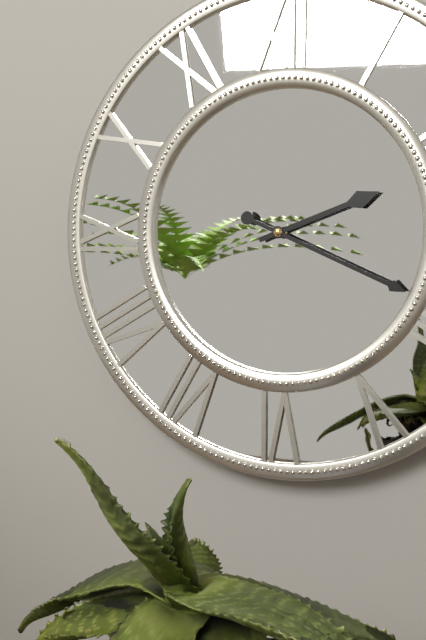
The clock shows 2:19
